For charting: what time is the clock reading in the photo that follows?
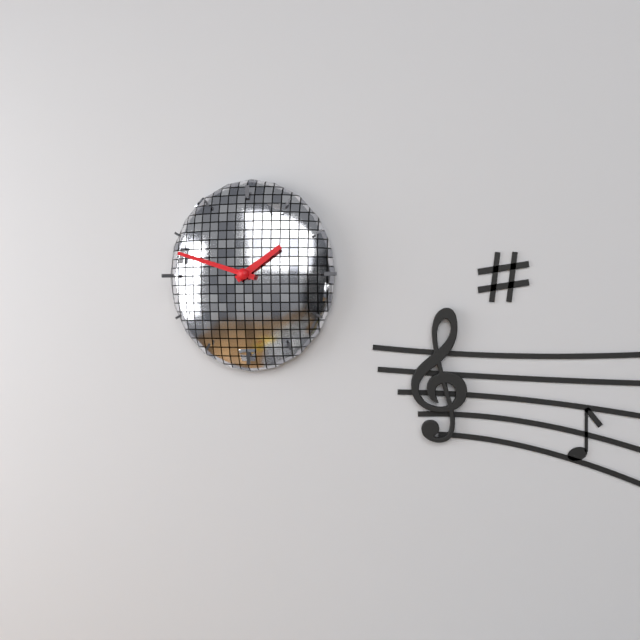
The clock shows 1:48
